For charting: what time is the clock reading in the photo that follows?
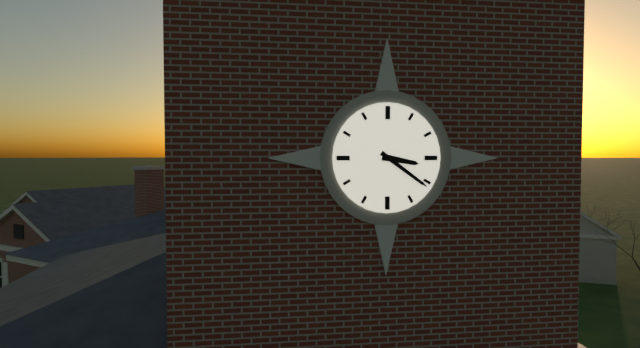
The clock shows 3:21
